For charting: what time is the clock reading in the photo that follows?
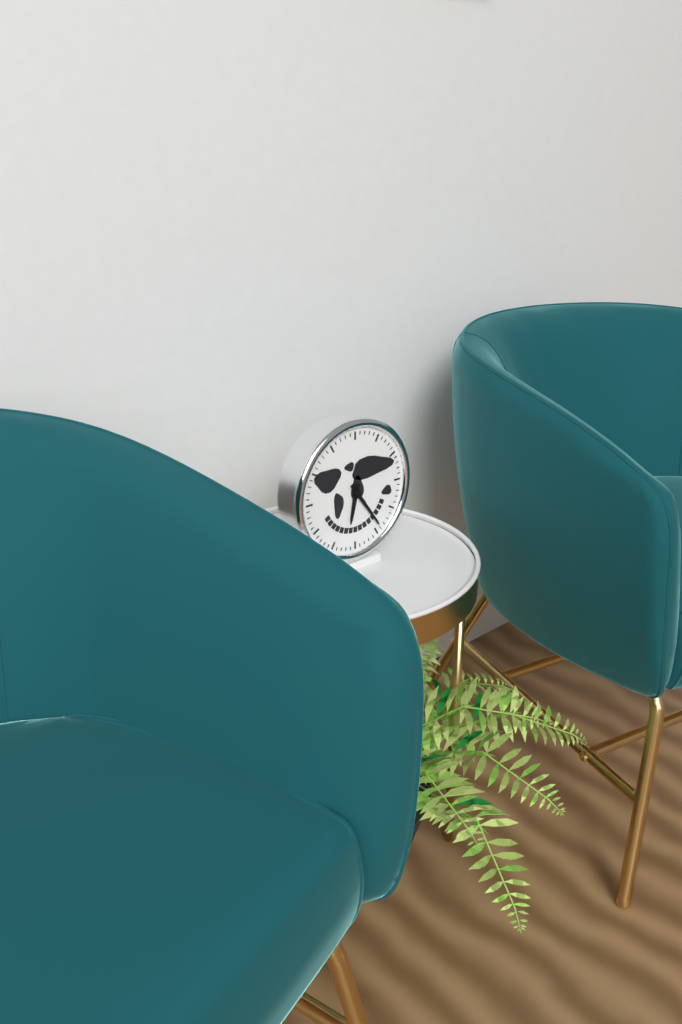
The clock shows 6:24
